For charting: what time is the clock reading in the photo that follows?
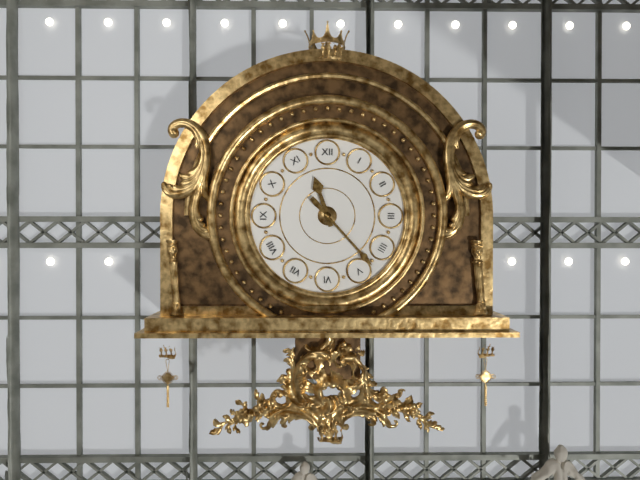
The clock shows 11:23
